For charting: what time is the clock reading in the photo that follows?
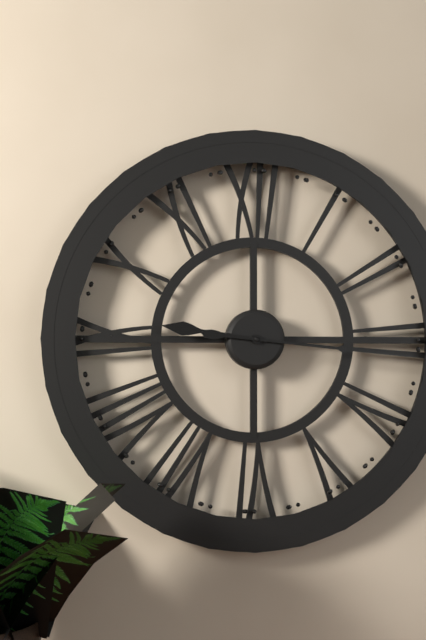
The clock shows 9:16
